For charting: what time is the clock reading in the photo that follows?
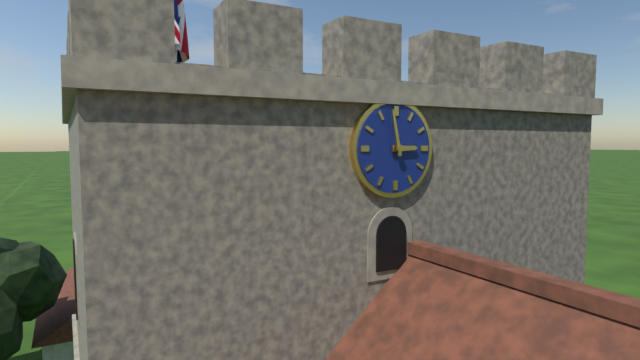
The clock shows 2:58
